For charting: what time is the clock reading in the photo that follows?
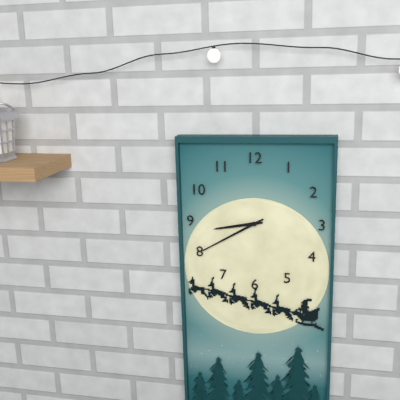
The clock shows 8:40
